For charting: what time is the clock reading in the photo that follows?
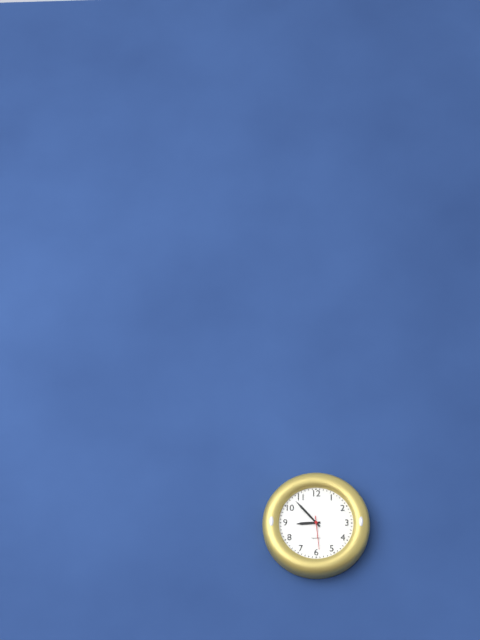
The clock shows 8:53
